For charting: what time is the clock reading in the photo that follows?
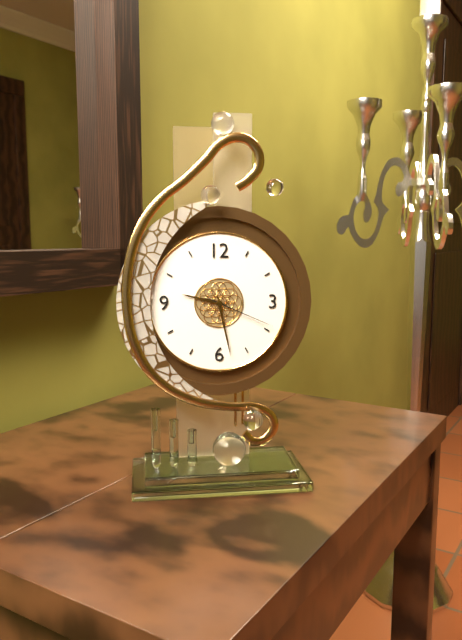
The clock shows 9:28:19
